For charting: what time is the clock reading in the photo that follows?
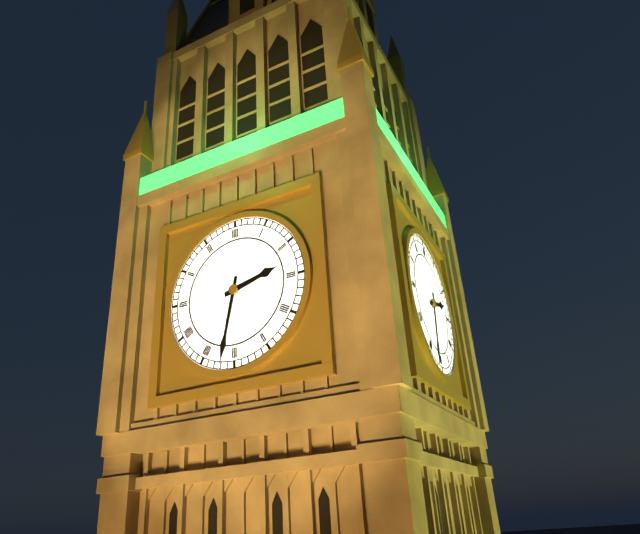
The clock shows 2:32
